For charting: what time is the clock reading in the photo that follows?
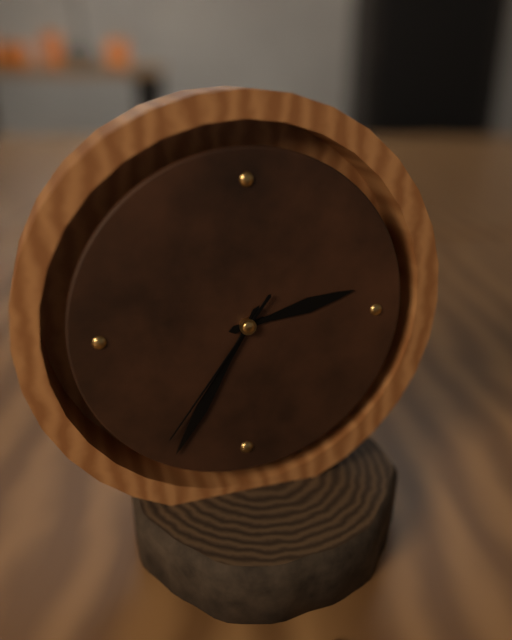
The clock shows 2:35:36
